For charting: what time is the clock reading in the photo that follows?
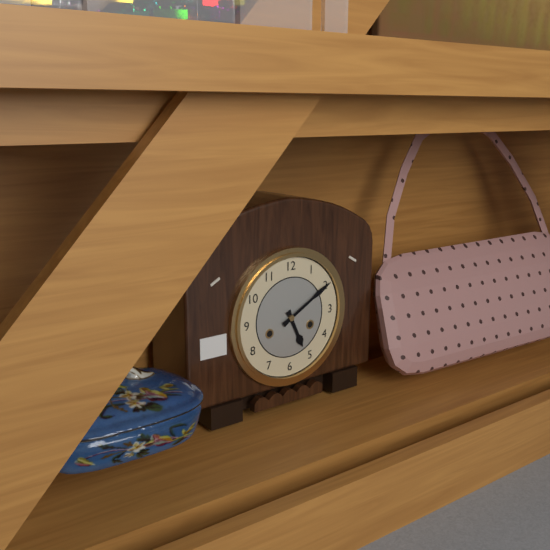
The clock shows 5:10
